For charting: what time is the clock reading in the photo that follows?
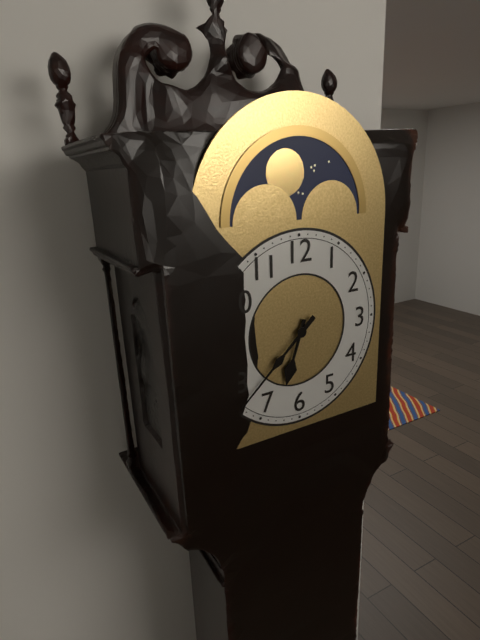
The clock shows 6:38
